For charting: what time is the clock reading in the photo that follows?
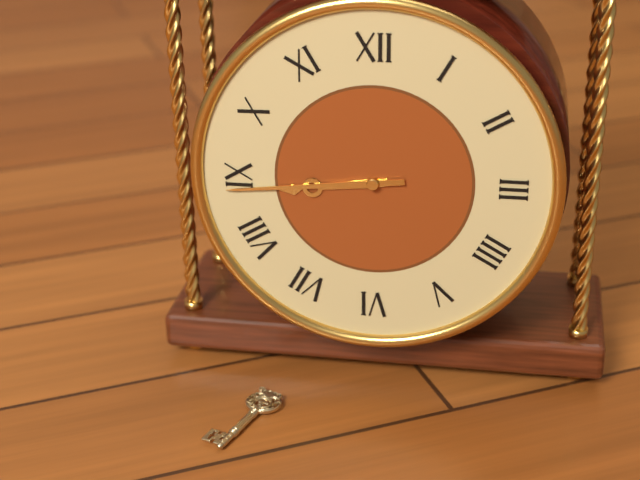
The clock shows 8:44
